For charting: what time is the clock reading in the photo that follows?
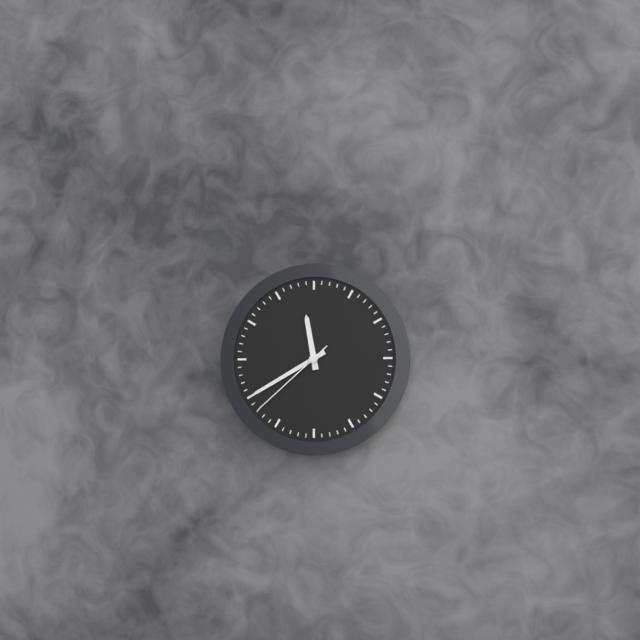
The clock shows 11:40:38
